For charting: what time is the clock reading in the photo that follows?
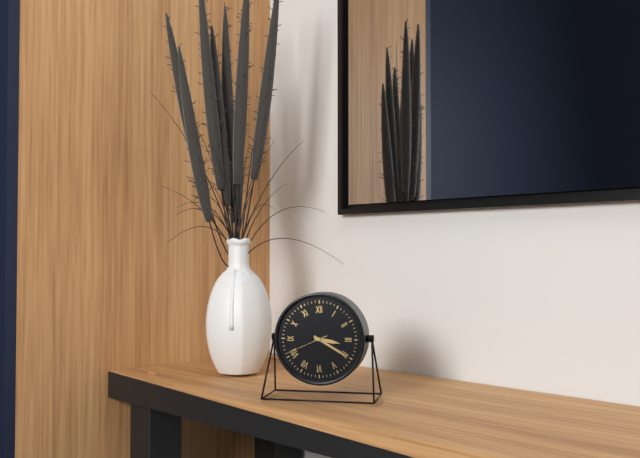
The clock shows 3:20
